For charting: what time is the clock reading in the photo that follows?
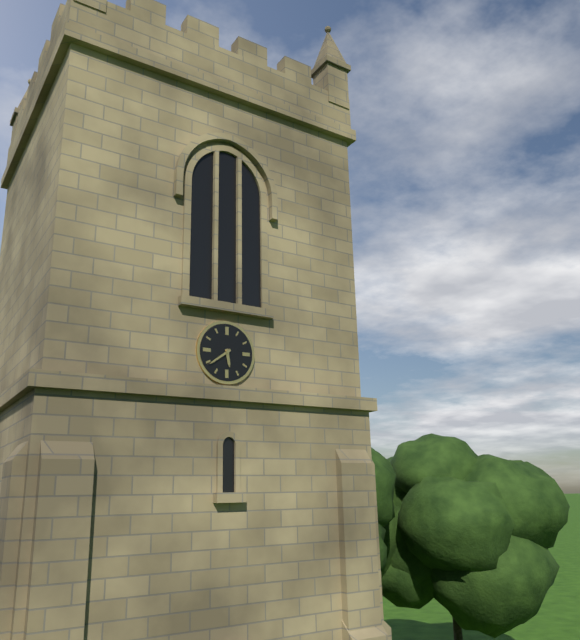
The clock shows 5:39
